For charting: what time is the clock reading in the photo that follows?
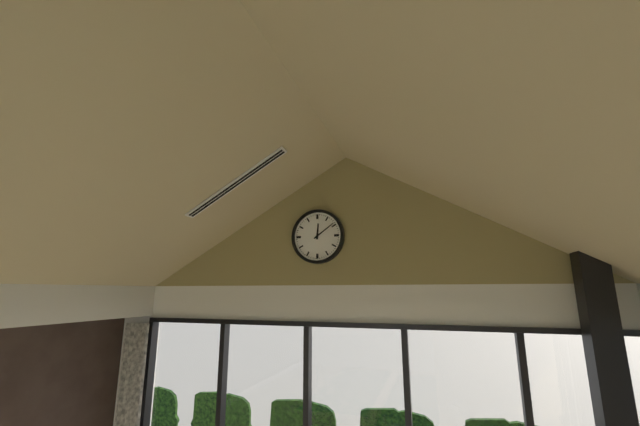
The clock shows 12:09
